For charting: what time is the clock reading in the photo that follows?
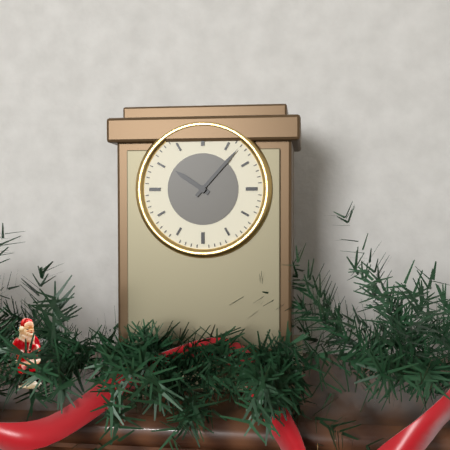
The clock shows 10:07
